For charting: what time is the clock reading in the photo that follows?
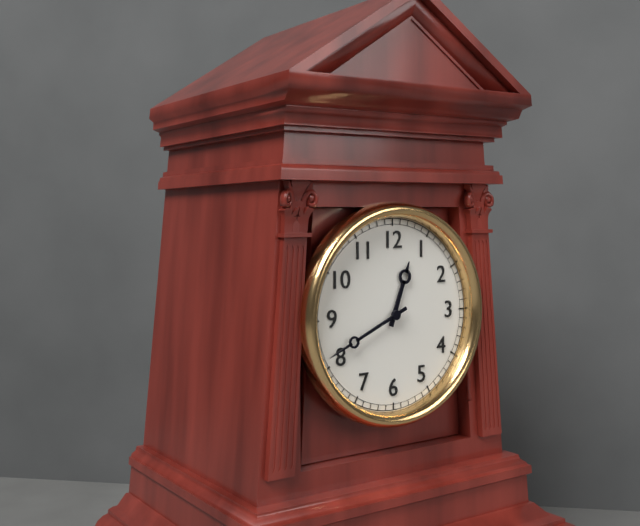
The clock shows 12:41
